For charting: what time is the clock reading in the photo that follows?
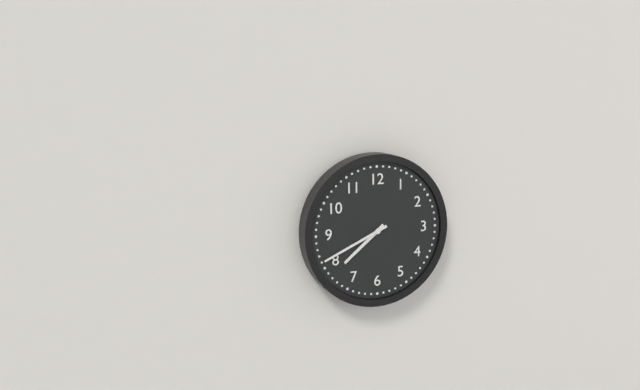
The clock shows 7:41
